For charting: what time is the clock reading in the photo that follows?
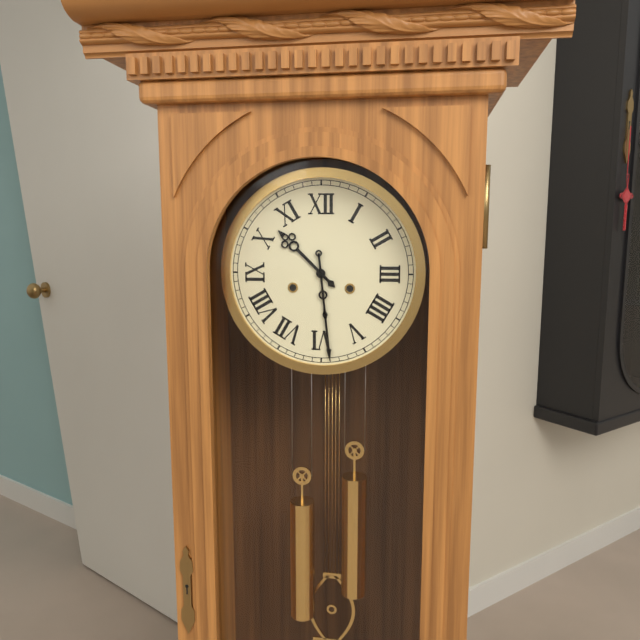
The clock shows 10:29
